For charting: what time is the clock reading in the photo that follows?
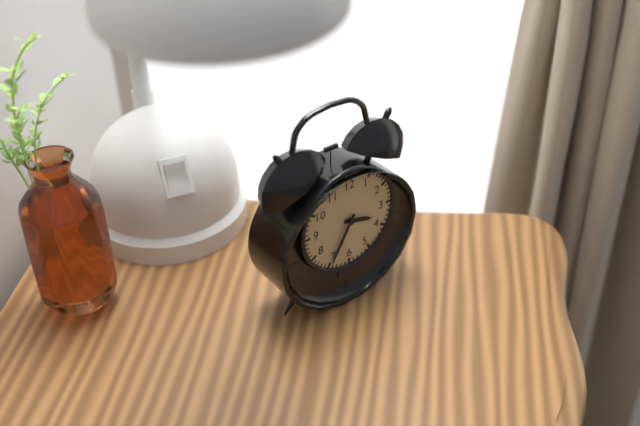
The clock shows 3:35
